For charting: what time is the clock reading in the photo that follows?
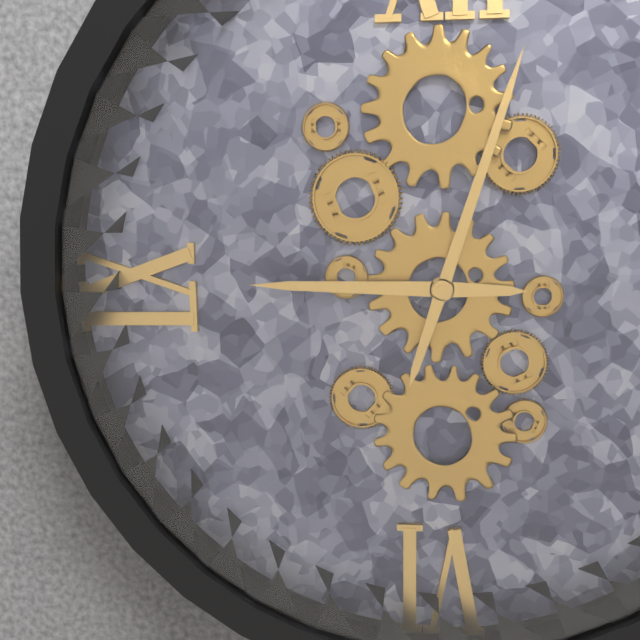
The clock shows 9:03
